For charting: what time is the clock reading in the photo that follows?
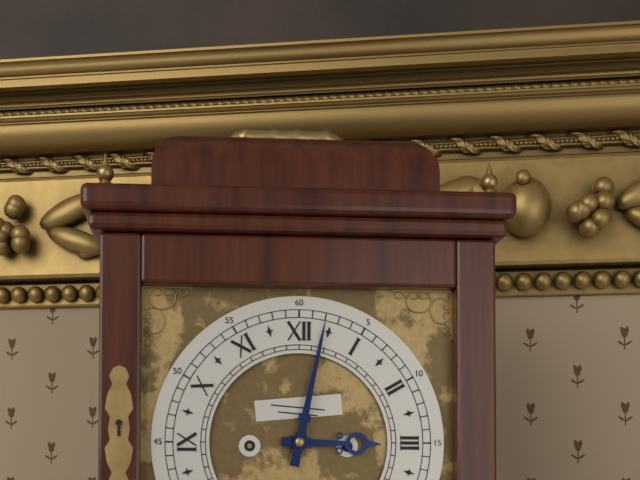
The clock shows 3:02
